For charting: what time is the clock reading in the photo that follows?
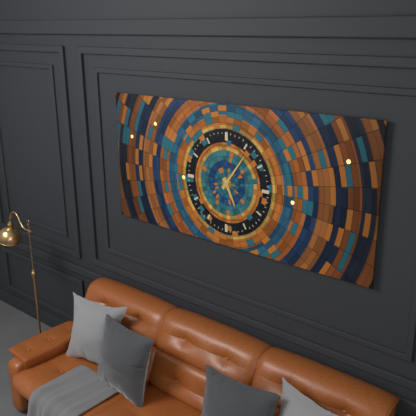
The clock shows 5:06
